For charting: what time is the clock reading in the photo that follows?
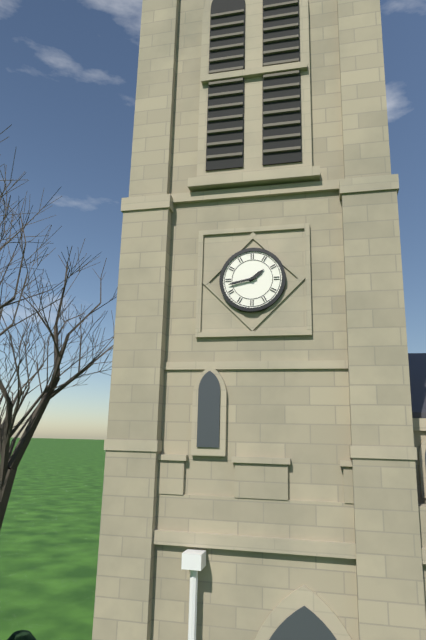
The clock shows 1:43
